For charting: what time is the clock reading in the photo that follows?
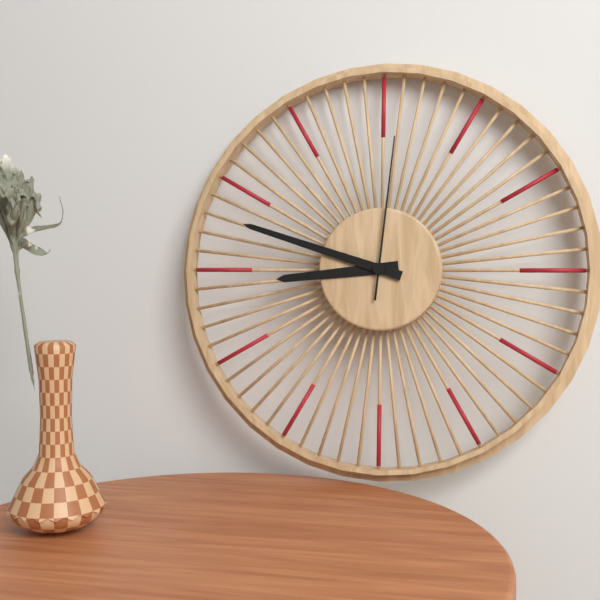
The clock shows 8:48:01
